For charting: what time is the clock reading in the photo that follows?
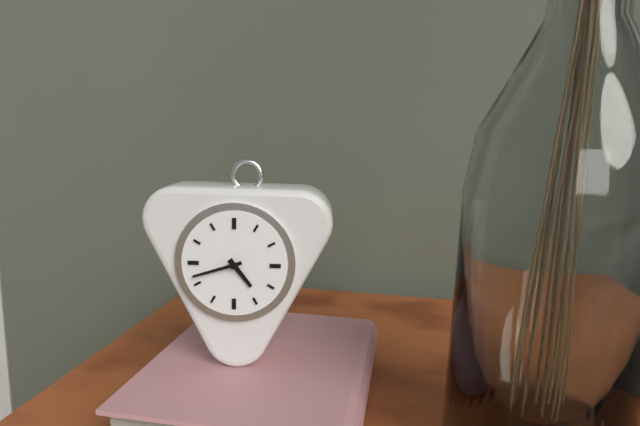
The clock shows 4:42
